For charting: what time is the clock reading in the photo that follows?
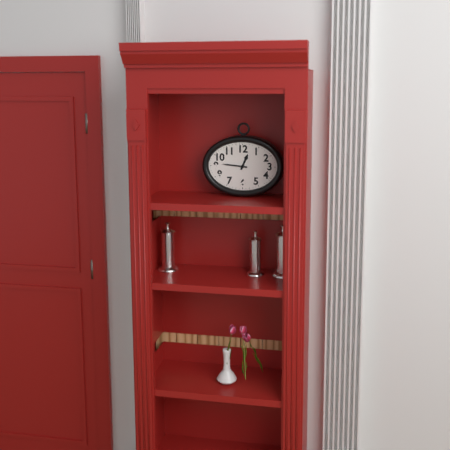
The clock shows 12:46
